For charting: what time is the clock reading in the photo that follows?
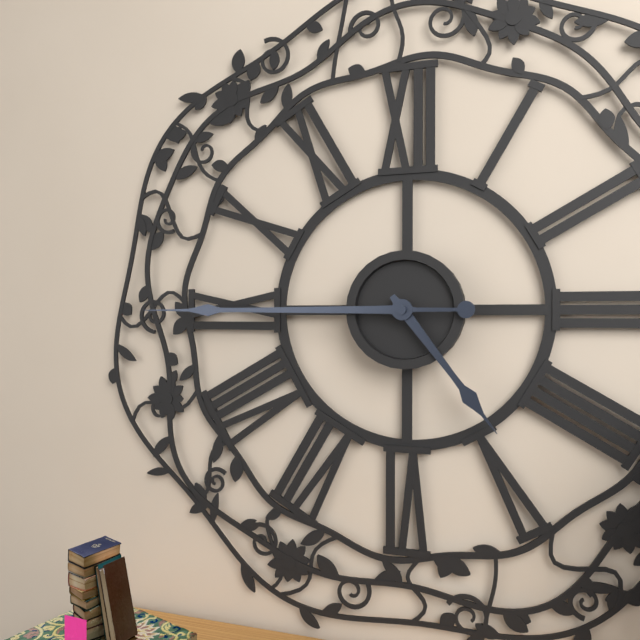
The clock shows 4:45
